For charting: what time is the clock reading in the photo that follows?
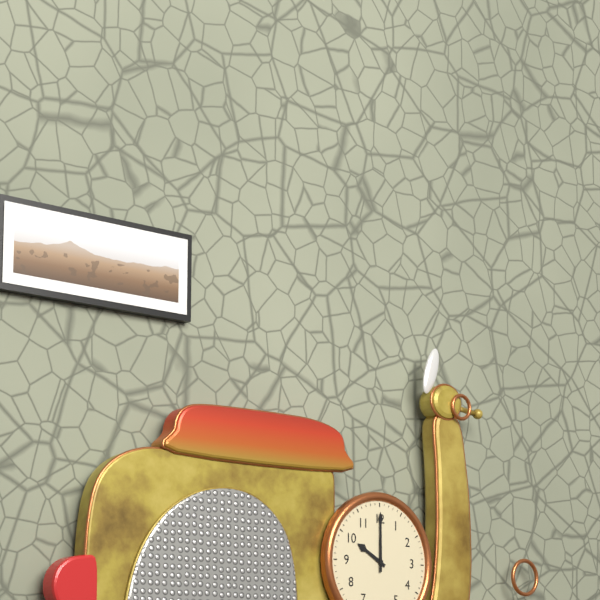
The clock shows 10:00
